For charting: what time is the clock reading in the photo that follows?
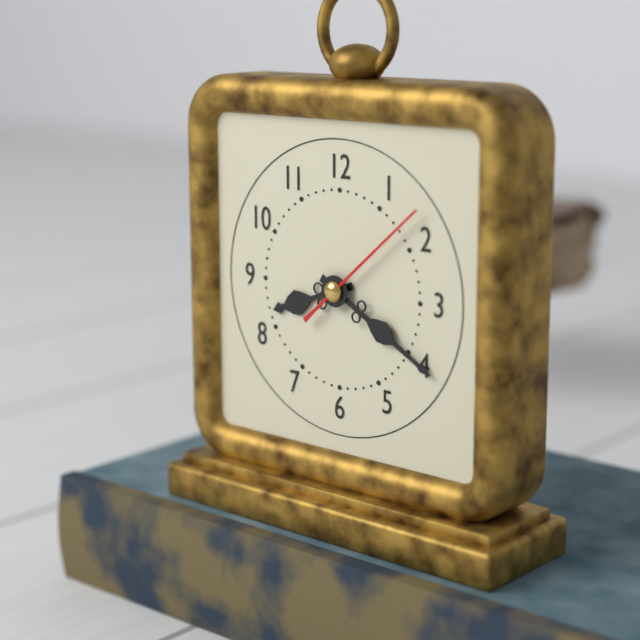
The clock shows 8:20:08
